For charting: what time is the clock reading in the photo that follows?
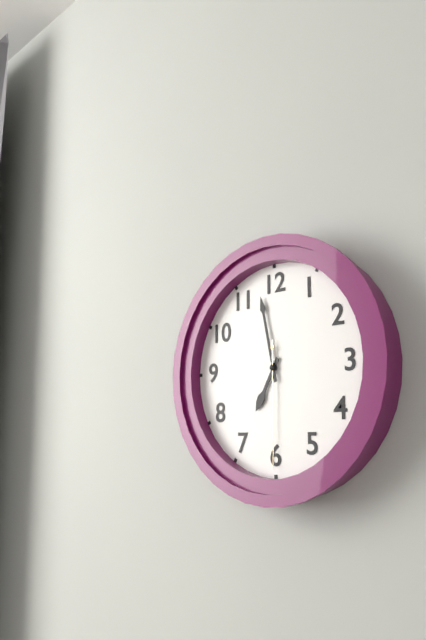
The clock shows 6:58:30
